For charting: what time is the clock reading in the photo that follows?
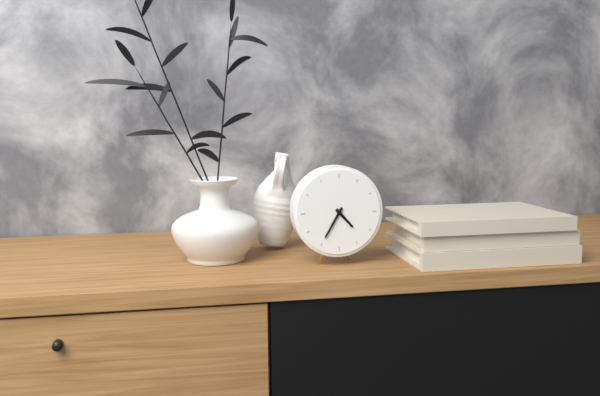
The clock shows 4:35
